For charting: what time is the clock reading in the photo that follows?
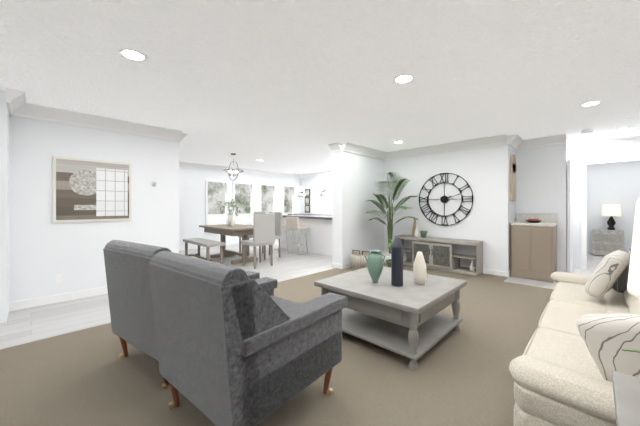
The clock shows 2:12
